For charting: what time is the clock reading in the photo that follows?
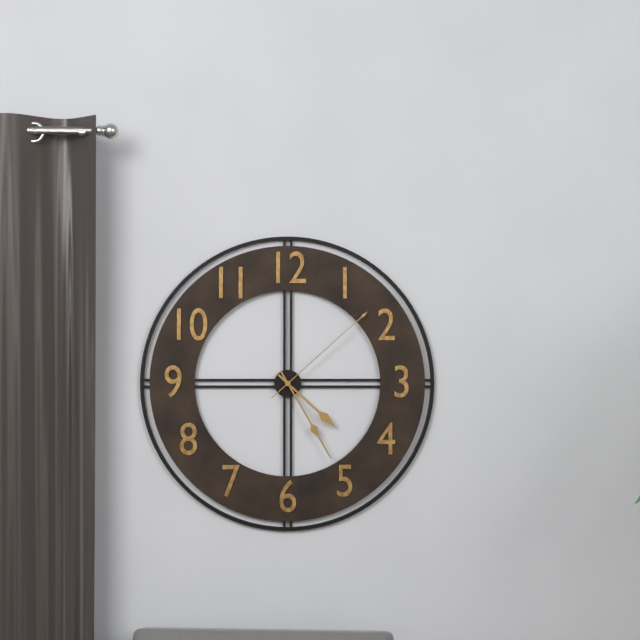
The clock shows 4:25:08
